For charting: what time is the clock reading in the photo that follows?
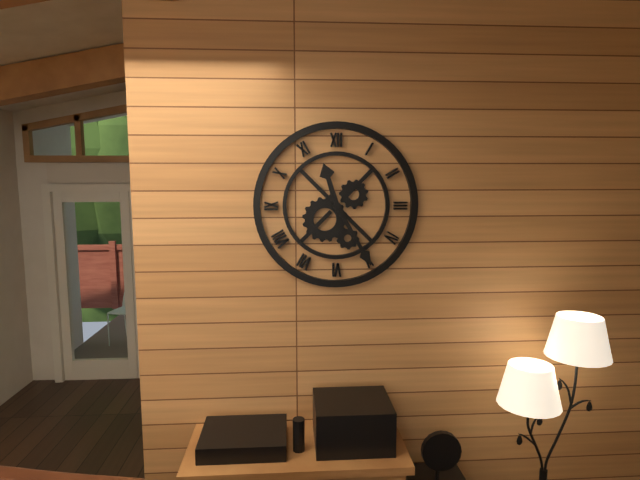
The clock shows 11:25
